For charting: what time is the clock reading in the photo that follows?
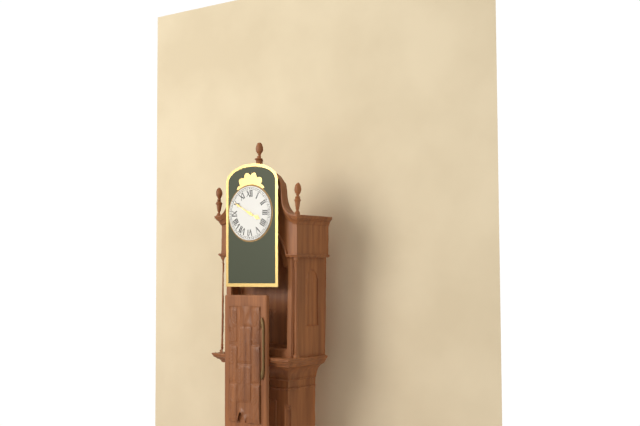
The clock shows 3:50
